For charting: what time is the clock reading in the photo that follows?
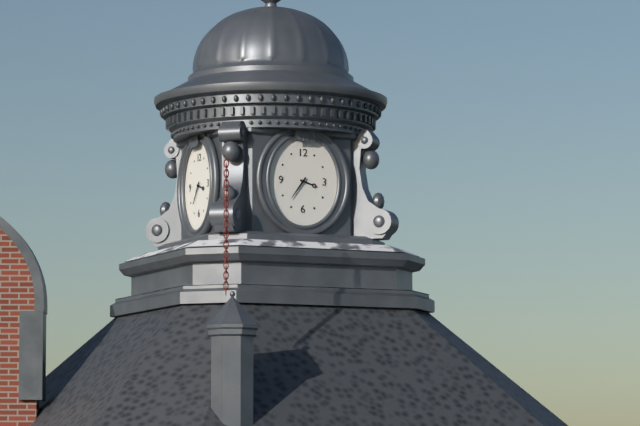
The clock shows 3:36
